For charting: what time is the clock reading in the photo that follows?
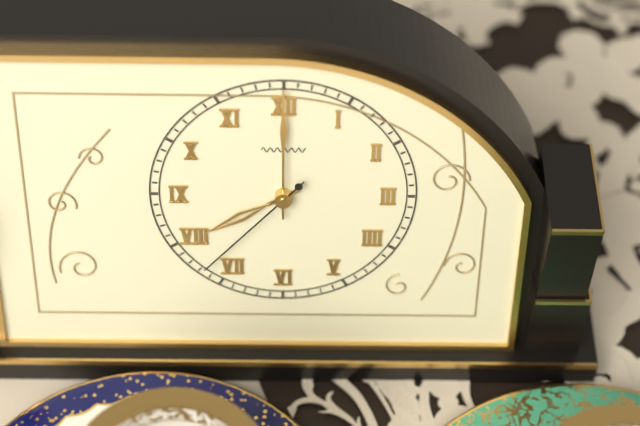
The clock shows 8:00:37
